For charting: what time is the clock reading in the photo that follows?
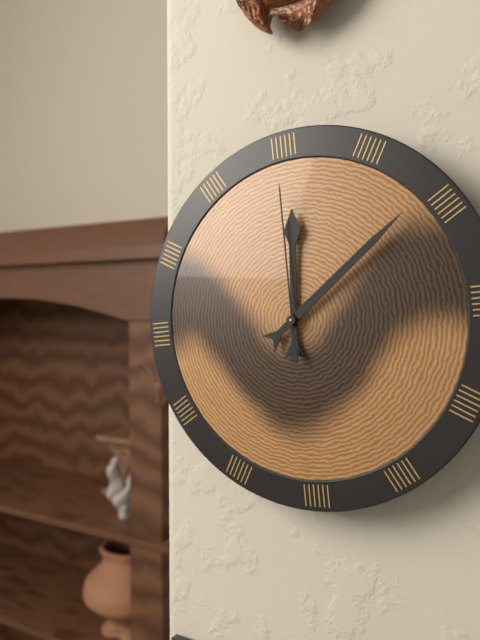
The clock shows 12:09:00
